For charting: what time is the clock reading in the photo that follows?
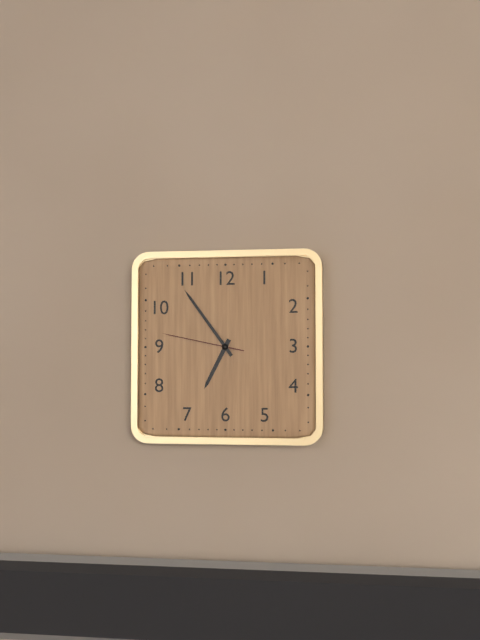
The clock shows 6:54:47
